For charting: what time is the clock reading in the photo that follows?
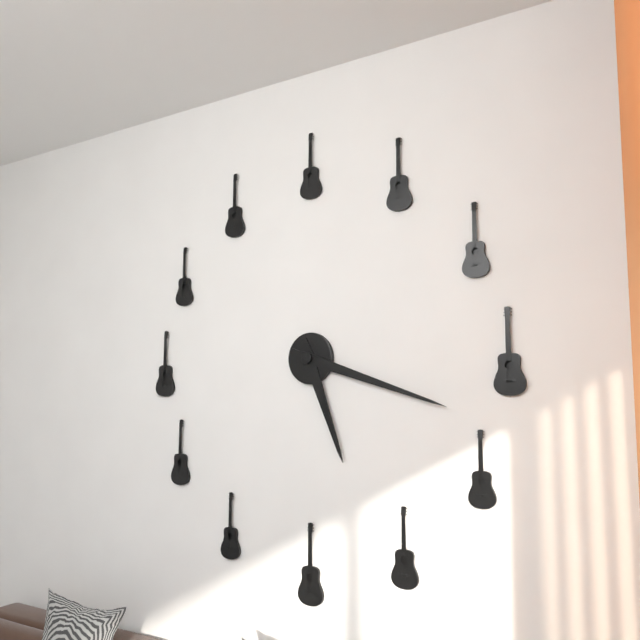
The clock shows 5:18
